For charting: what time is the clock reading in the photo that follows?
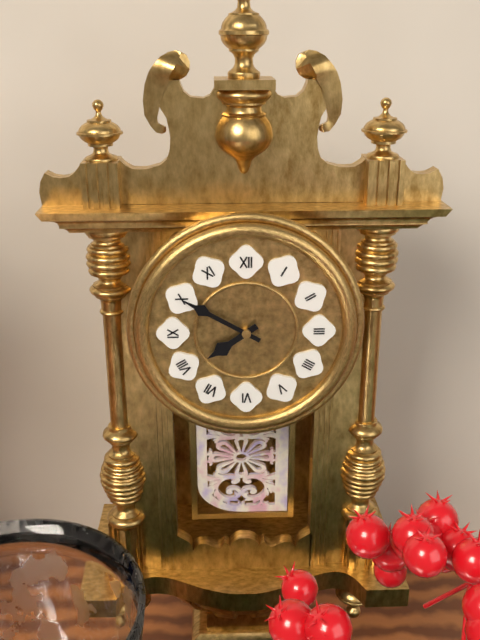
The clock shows 7:50
